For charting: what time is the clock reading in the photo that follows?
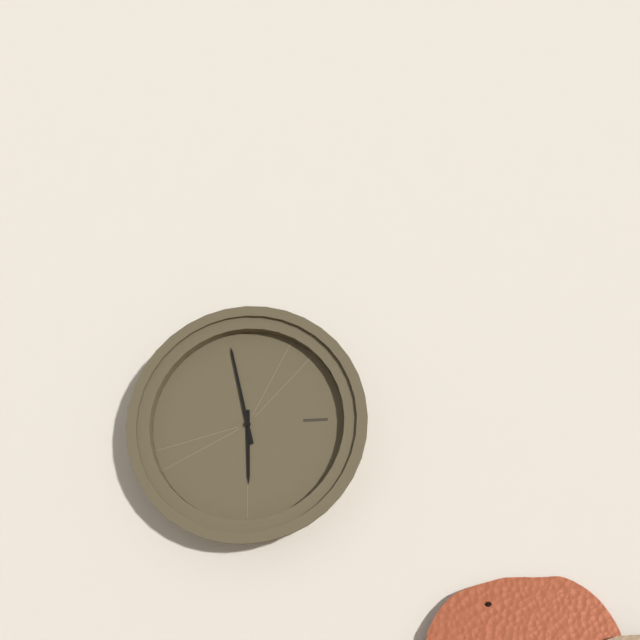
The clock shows 5:58
